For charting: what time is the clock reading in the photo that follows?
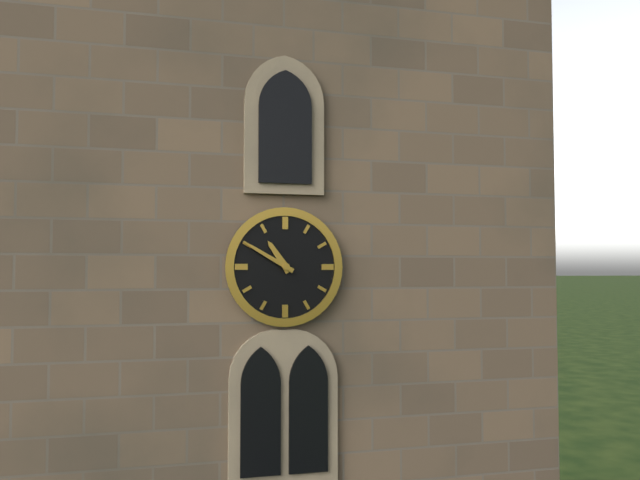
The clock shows 10:50
